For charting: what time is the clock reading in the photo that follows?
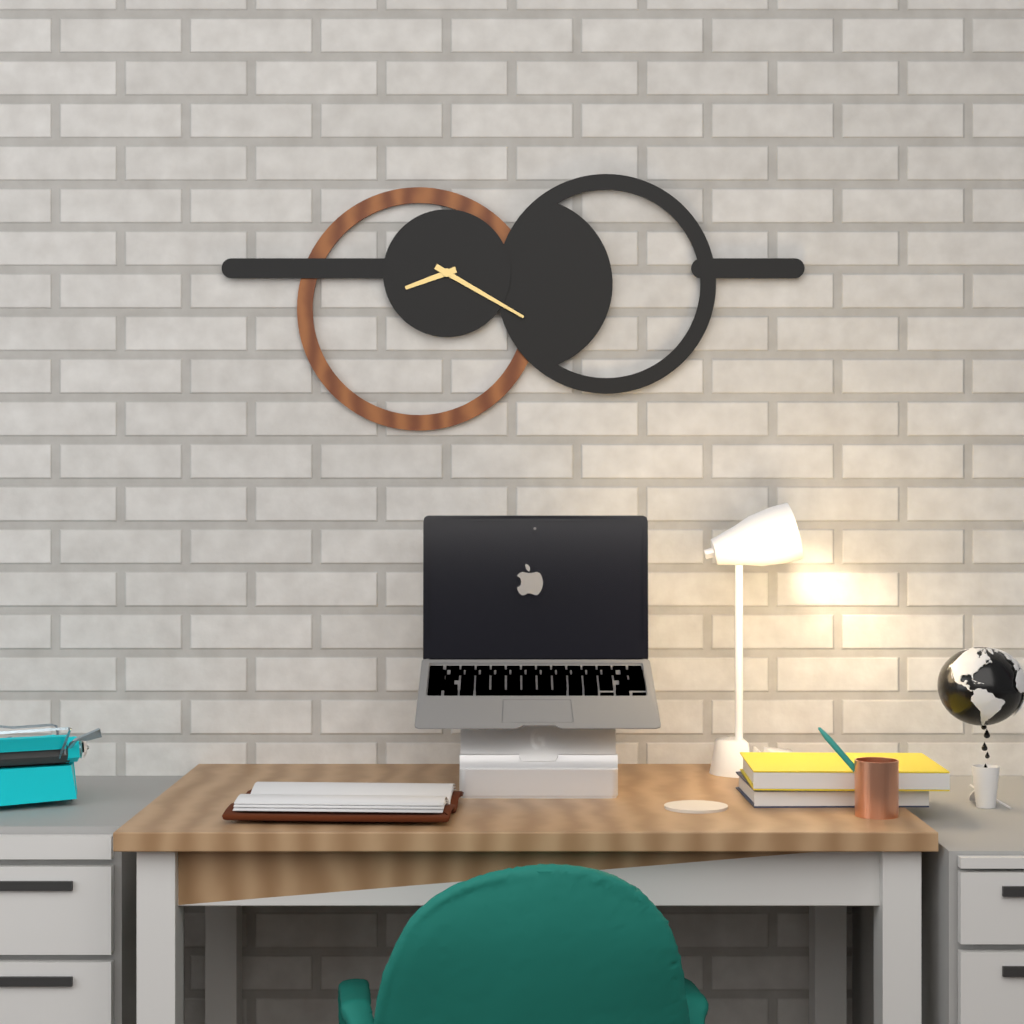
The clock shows 8:20
